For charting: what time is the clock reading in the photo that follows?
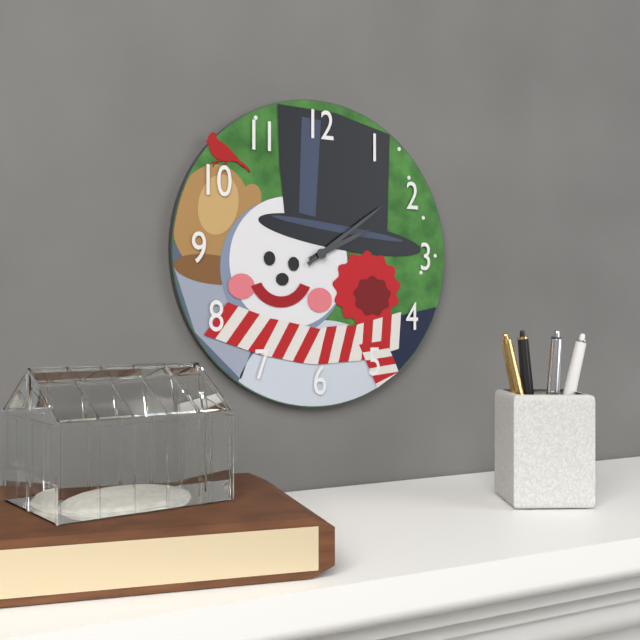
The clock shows 2:09
